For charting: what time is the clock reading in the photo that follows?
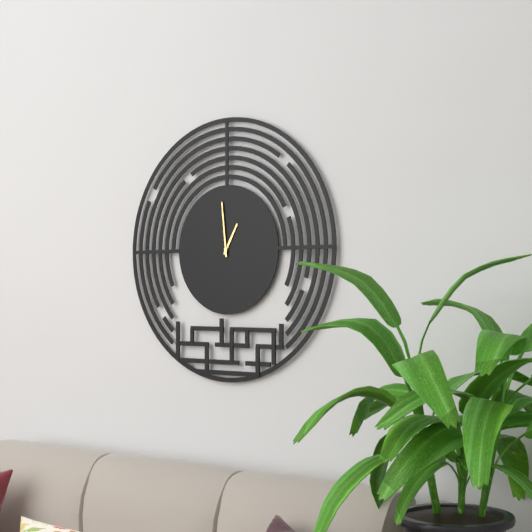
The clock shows 12:59
